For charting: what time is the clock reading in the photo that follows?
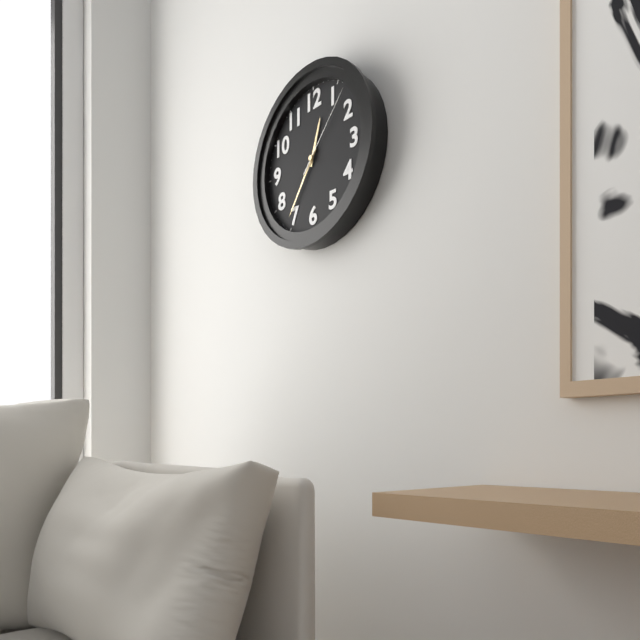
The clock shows 12:36:07
